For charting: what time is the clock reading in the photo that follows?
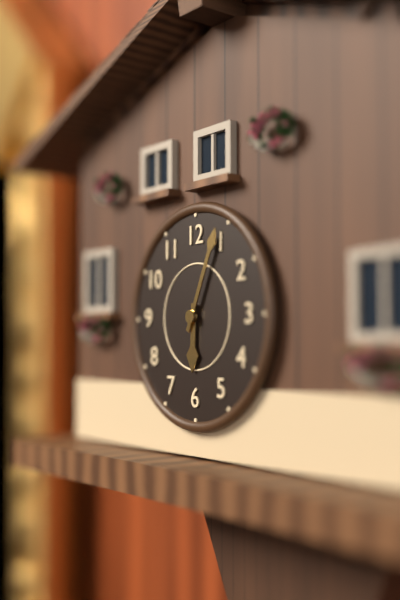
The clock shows 6:04
